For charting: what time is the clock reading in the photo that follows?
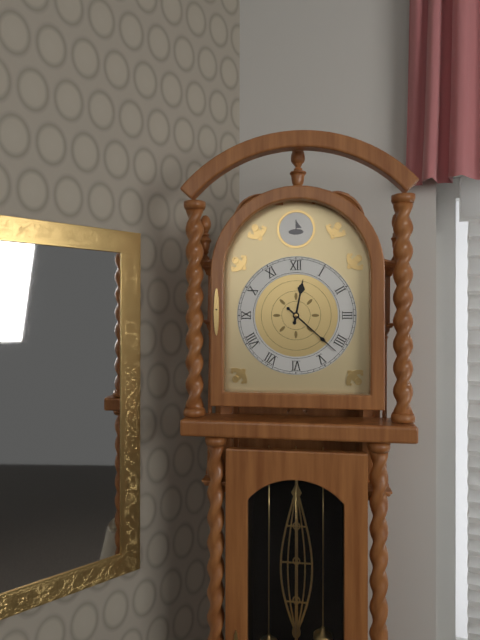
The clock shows 12:22
